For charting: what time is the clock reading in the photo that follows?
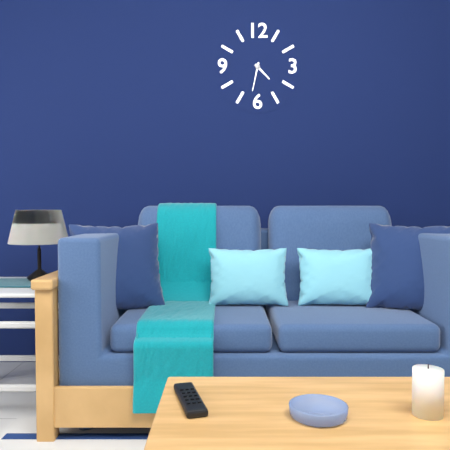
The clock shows 4:32
